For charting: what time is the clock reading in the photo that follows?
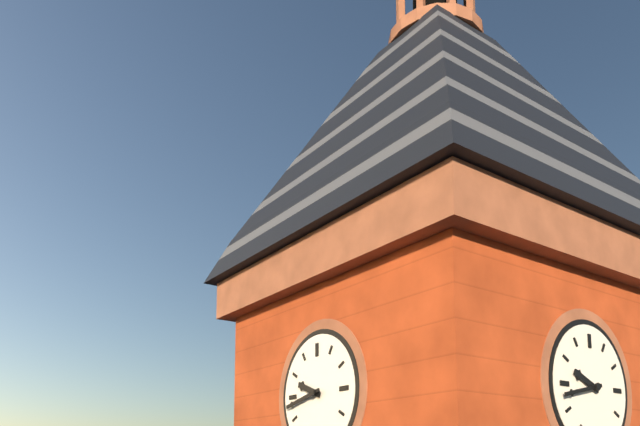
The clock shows 9:43
